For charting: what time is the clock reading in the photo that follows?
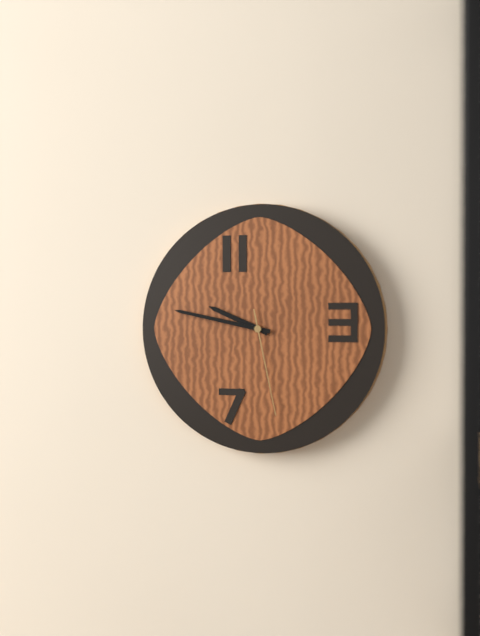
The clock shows 9:47:28
